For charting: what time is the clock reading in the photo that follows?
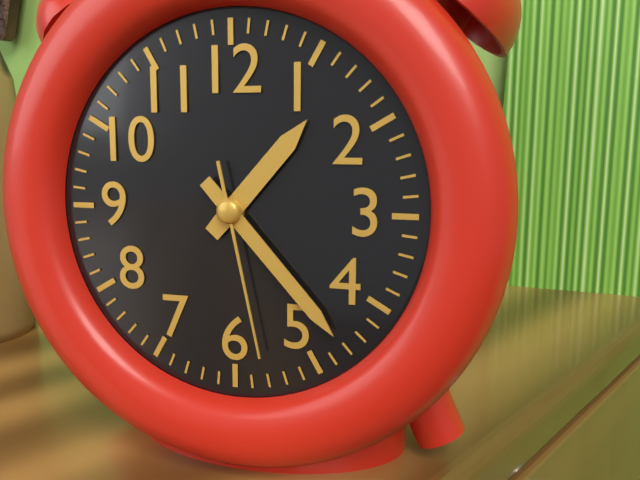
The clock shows 1:23:28
